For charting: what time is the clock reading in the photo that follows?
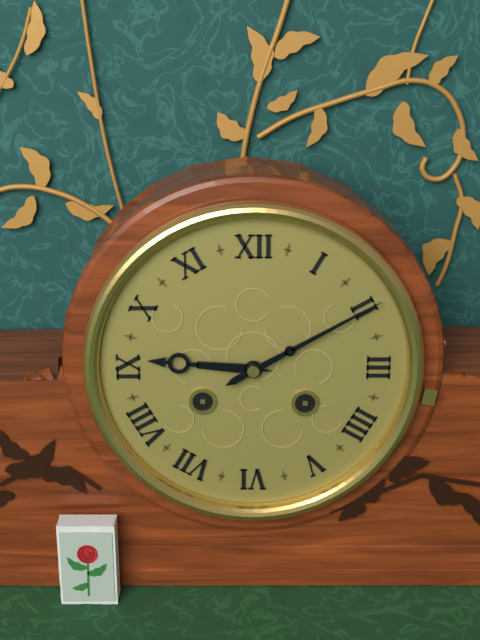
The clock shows 9:10
